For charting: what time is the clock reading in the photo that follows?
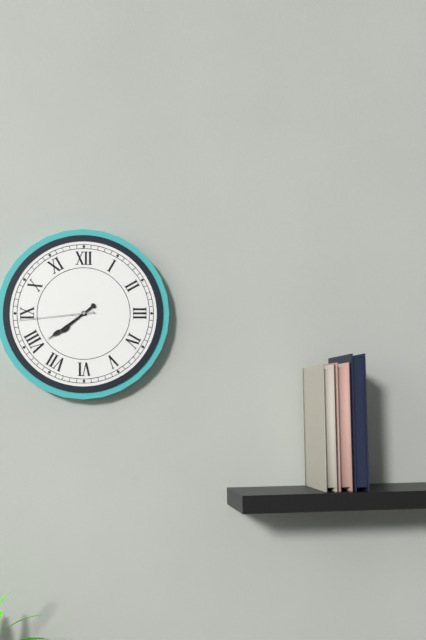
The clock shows 7:39:44
